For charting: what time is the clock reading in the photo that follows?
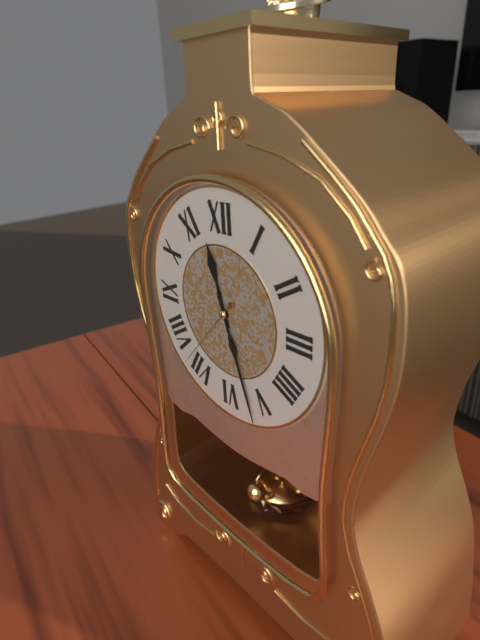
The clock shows 11:27:37
